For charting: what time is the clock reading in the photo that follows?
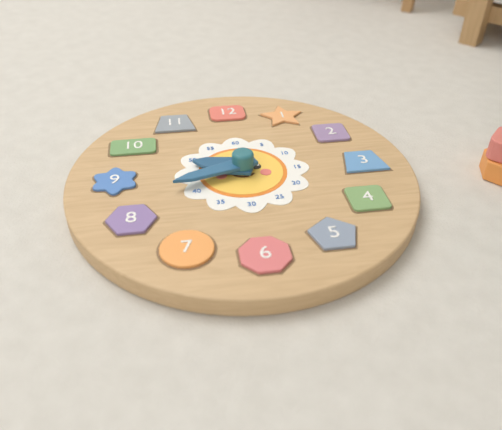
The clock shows 9:42
